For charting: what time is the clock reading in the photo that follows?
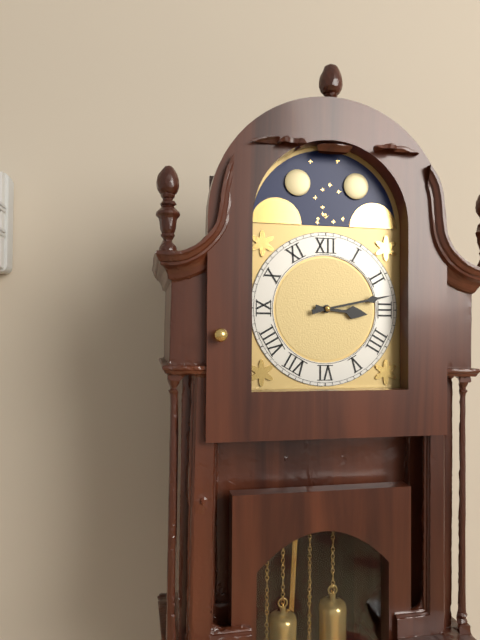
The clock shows 3:13
